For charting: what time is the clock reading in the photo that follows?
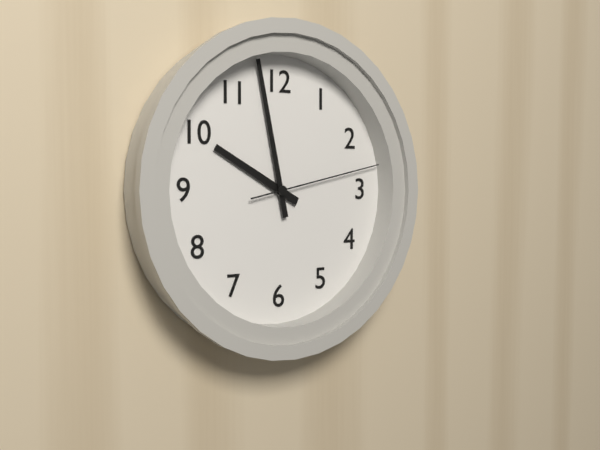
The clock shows 9:58:13
